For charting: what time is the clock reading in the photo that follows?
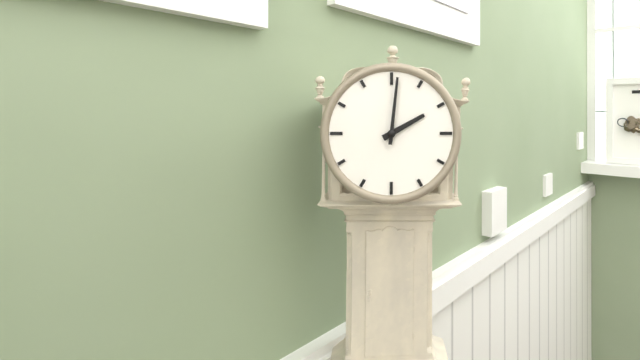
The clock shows 2:01
